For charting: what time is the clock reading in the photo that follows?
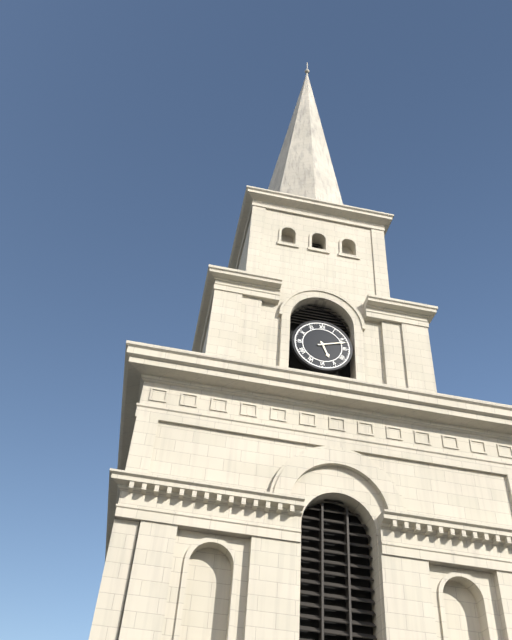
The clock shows 5:12
